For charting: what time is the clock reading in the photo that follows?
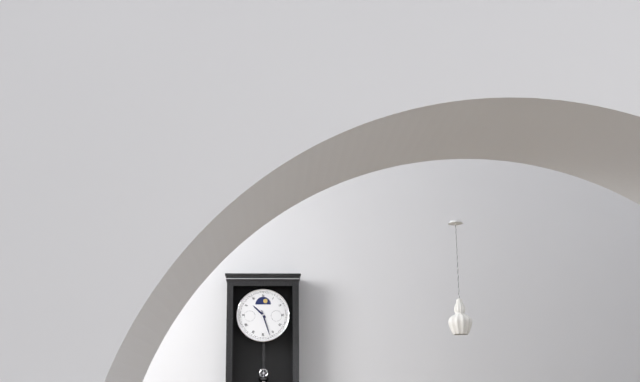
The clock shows 10:27
